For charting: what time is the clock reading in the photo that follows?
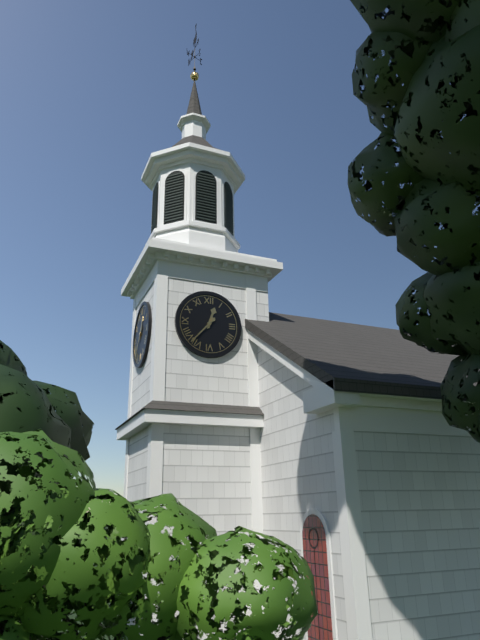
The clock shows 12:37
